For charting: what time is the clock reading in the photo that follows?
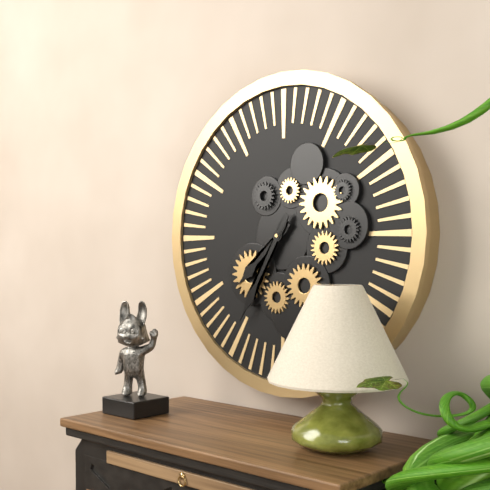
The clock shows 7:35
